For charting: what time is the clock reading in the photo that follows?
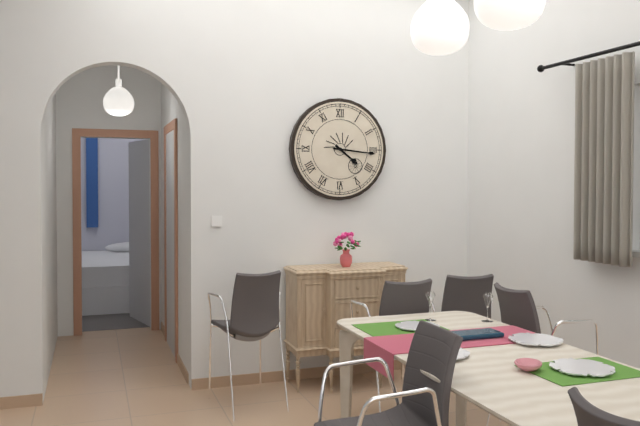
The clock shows 4:16
